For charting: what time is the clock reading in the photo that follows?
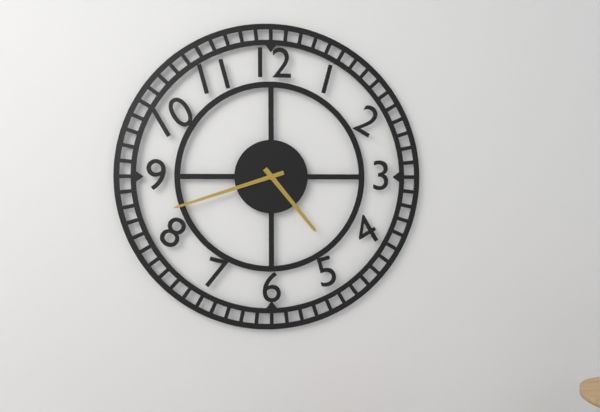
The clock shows 4:42
